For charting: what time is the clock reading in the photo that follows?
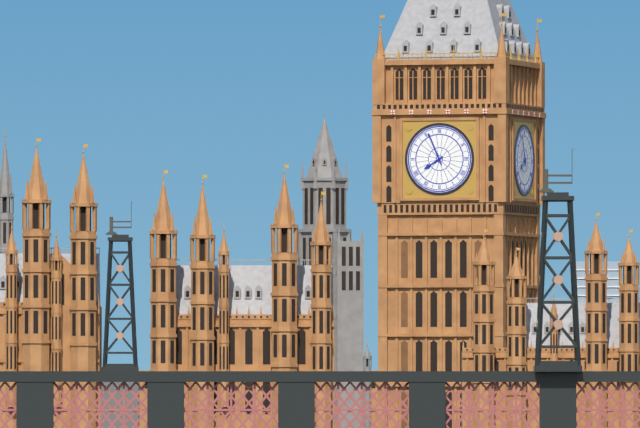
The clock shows 7:56
